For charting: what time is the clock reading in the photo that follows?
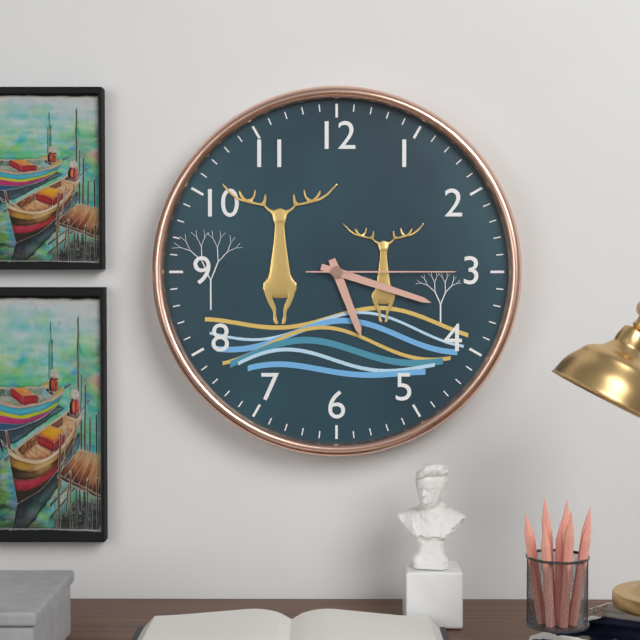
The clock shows 5:18:15
